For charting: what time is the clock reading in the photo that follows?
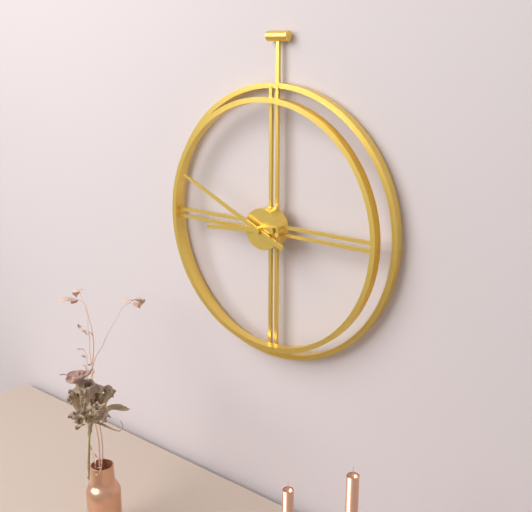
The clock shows 8:49
